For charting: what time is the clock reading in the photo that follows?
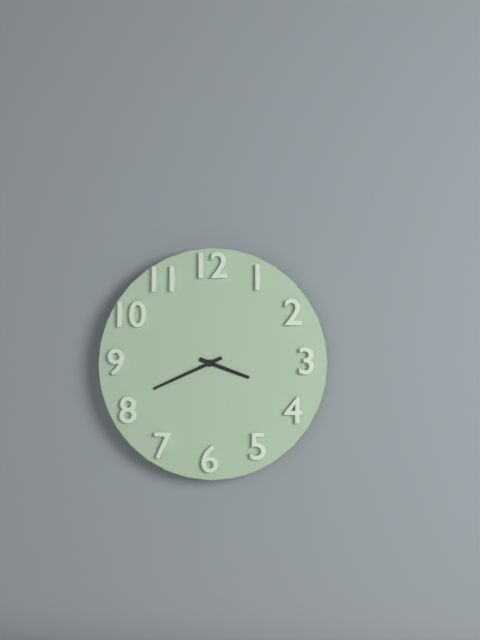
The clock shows 3:41
